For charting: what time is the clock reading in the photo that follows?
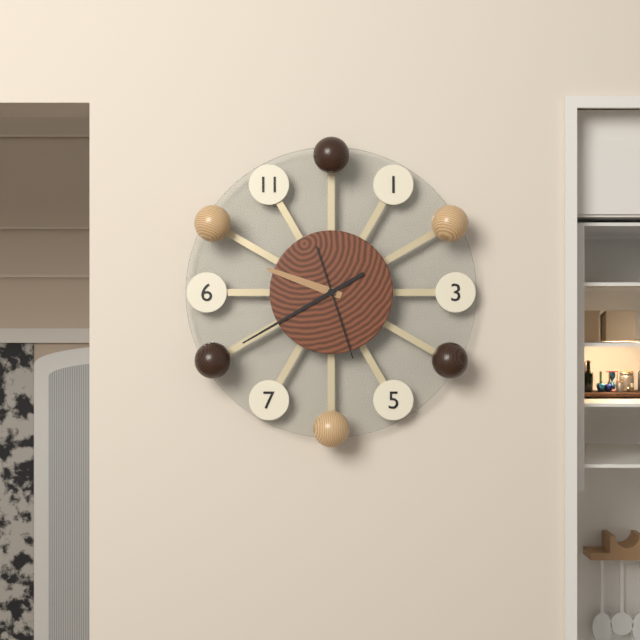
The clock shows 9:40:27
